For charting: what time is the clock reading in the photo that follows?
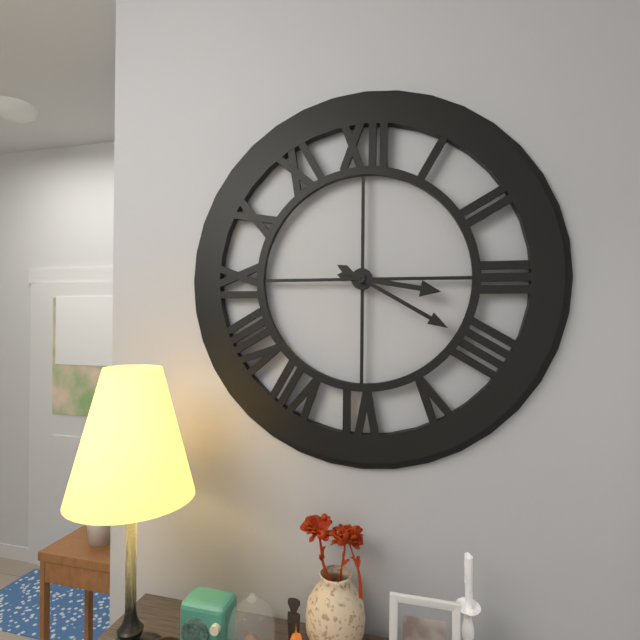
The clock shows 3:20
